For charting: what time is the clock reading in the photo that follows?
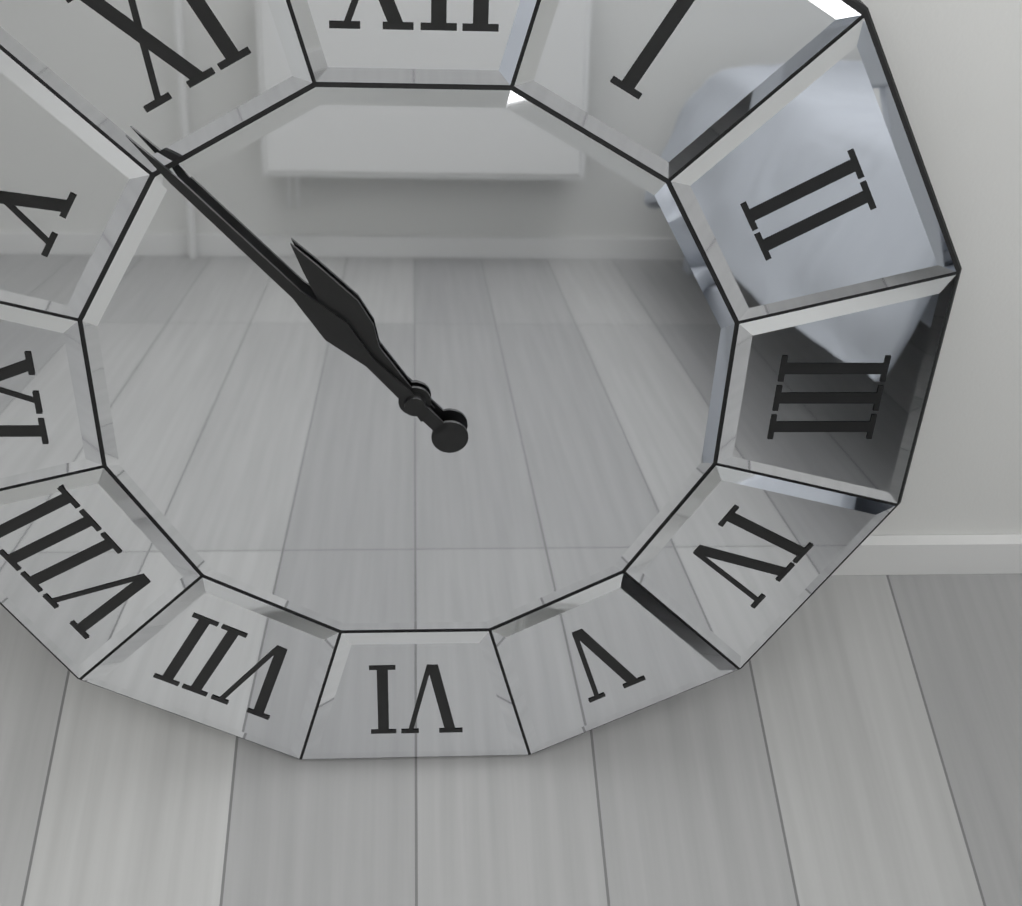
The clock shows 10:53
